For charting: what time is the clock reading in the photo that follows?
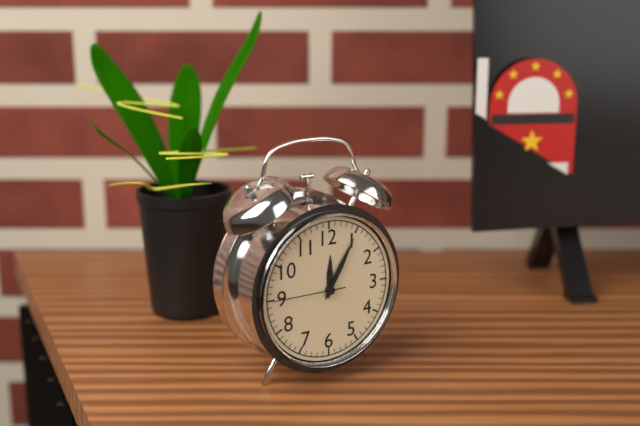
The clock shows 12:05:45
